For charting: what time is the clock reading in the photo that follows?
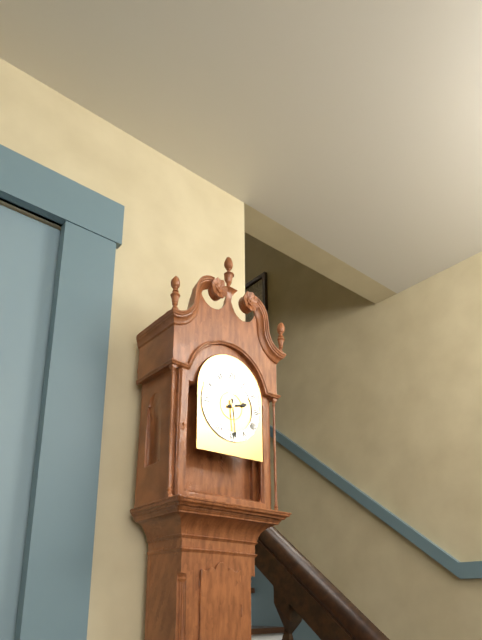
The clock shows 2:29
